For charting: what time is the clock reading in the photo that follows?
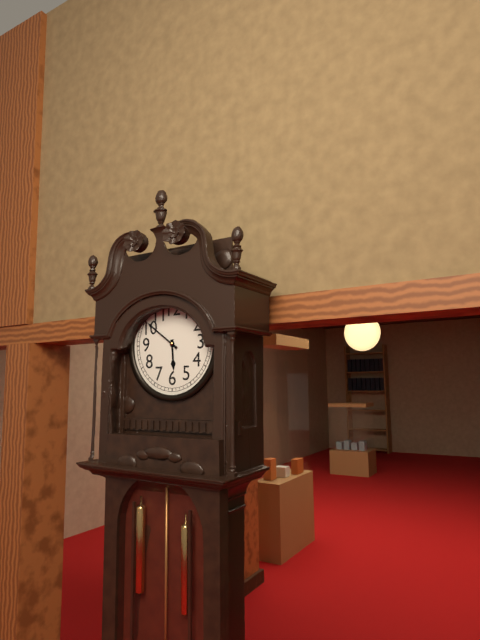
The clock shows 5:51
